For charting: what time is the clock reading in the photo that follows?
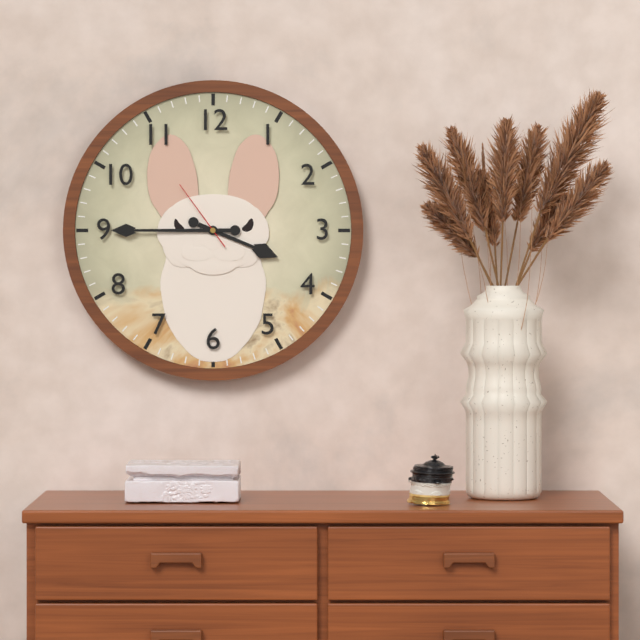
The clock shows 3:45:54
